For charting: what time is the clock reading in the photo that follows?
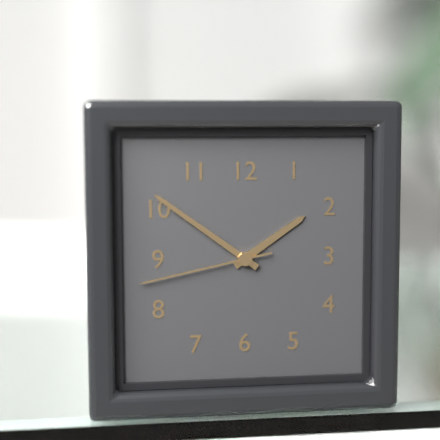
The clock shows 1:51:43
